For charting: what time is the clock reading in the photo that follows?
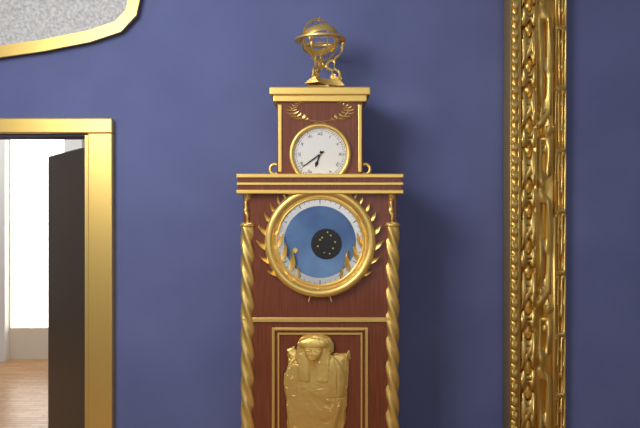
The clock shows 6:39
